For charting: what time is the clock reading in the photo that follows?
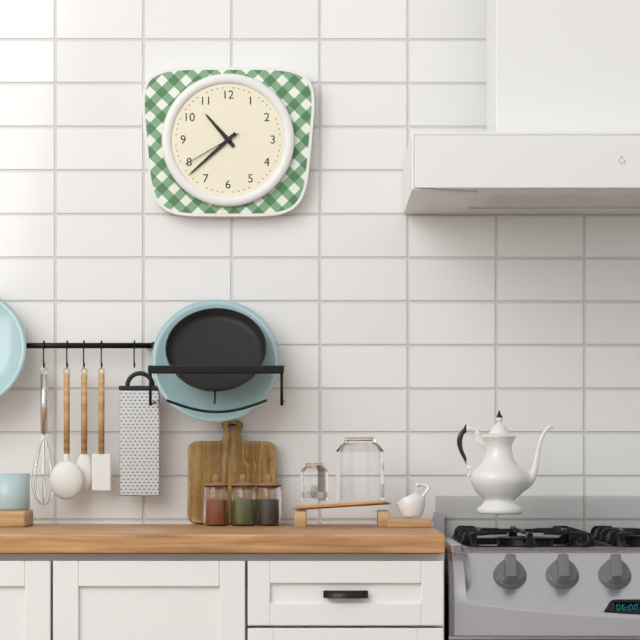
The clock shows 10:38:40
